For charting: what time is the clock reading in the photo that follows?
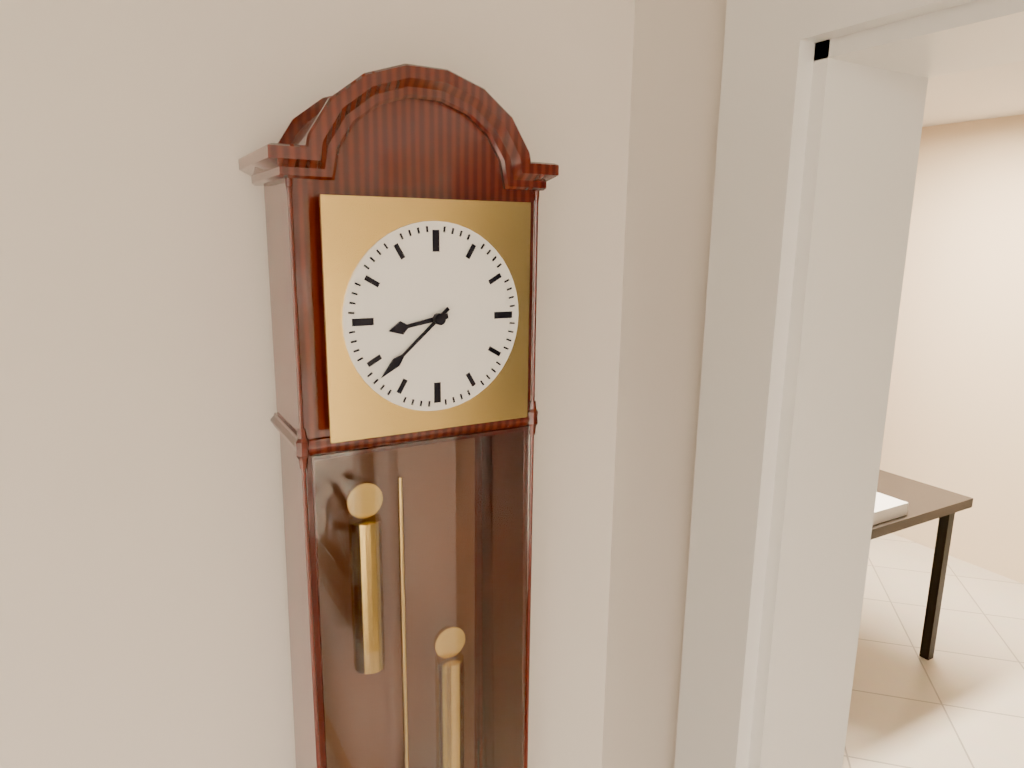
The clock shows 8:38
